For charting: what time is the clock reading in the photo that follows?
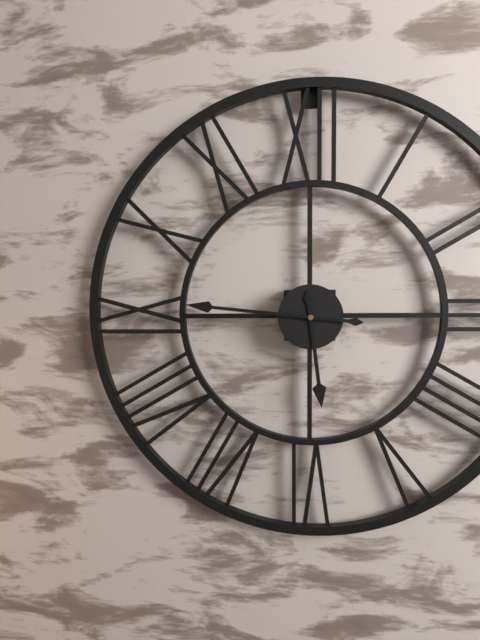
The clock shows 5:46
